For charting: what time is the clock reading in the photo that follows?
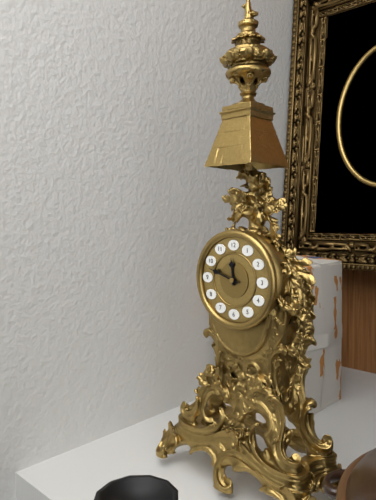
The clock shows 11:48
